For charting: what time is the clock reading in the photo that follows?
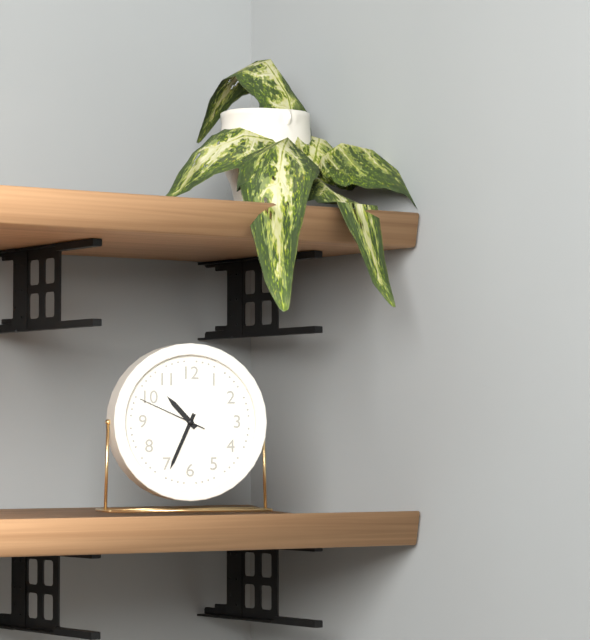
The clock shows 10:34:49
